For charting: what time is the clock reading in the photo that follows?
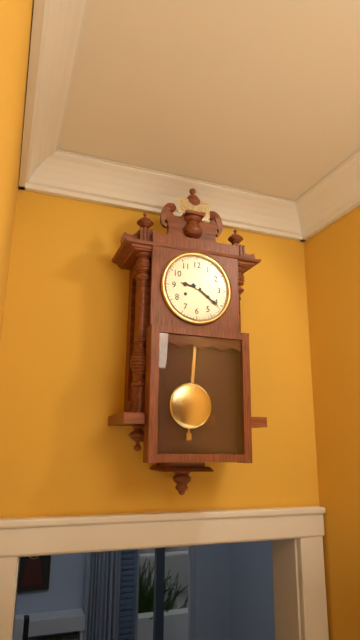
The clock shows 9:21
